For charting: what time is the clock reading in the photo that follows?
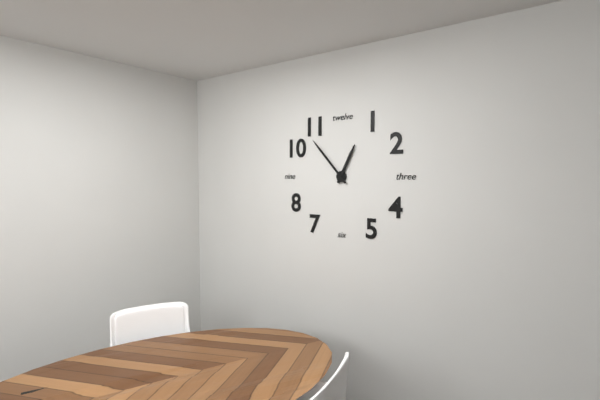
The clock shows 12:53
